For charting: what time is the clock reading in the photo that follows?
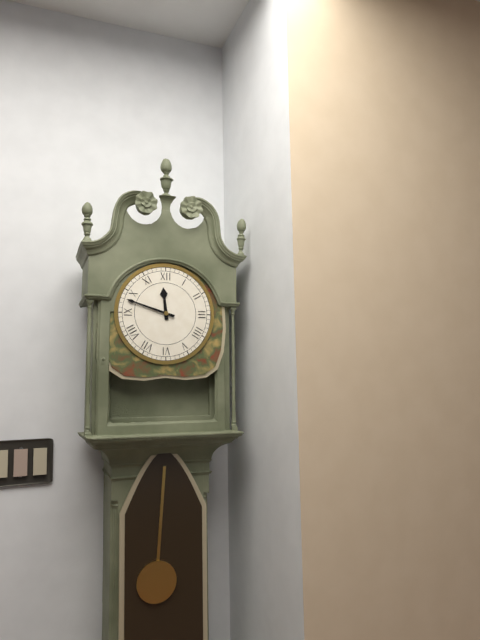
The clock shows 11:48
